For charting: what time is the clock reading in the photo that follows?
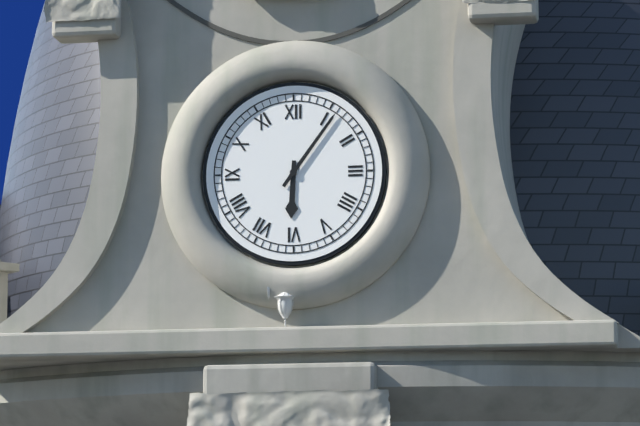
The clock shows 6:06
